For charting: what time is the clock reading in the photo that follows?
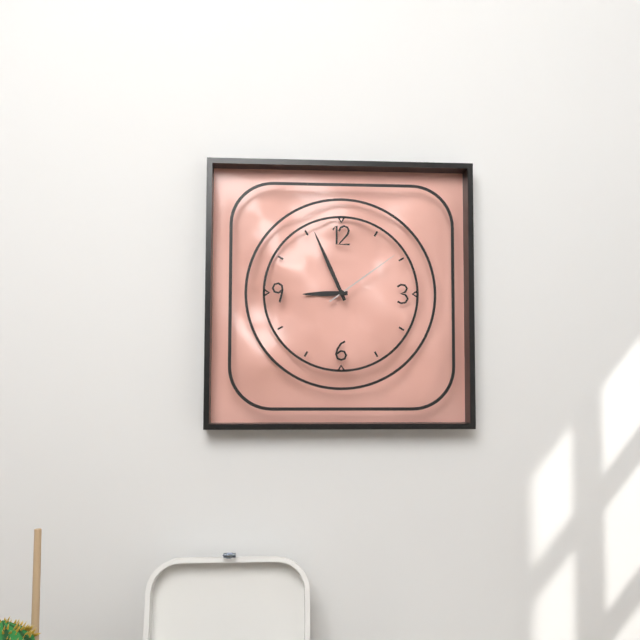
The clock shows 8:56:09
